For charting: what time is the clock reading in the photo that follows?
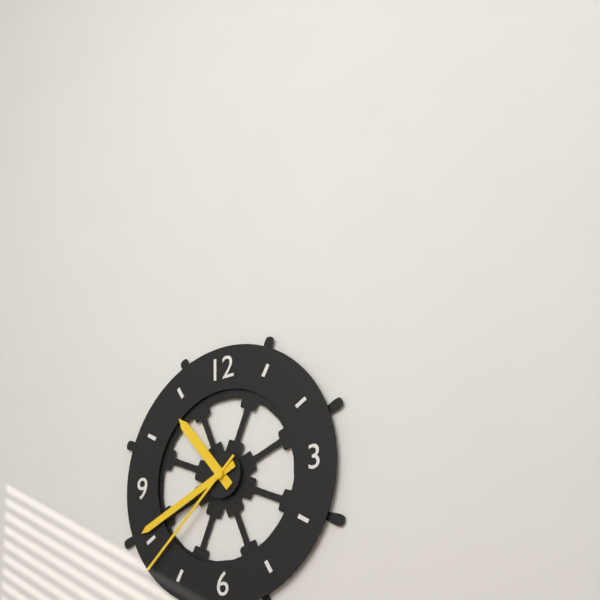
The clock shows 10:41:38
